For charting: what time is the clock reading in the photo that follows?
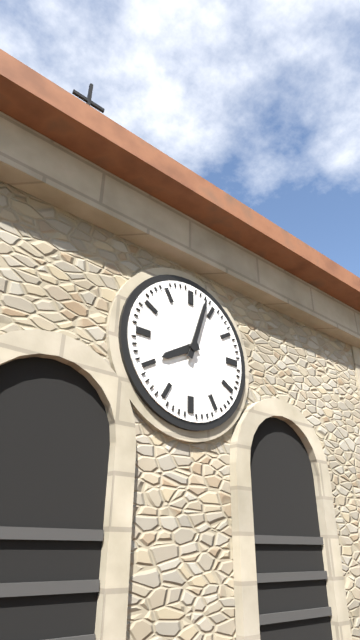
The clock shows 8:03
